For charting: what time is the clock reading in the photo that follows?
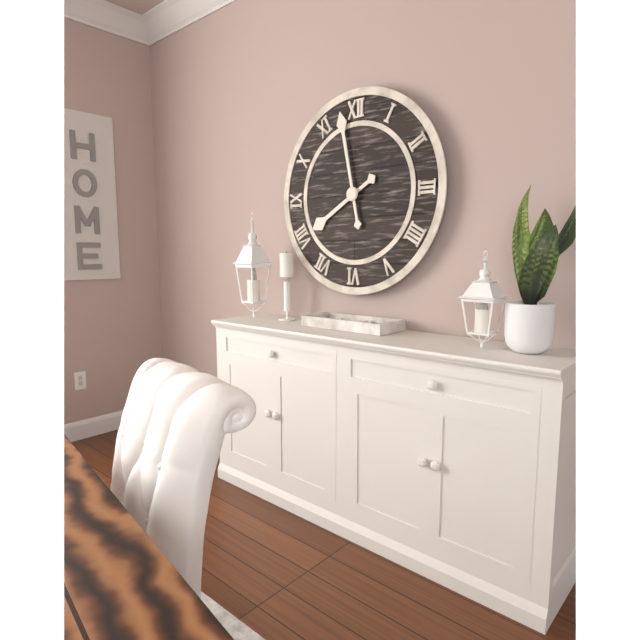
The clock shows 7:58
